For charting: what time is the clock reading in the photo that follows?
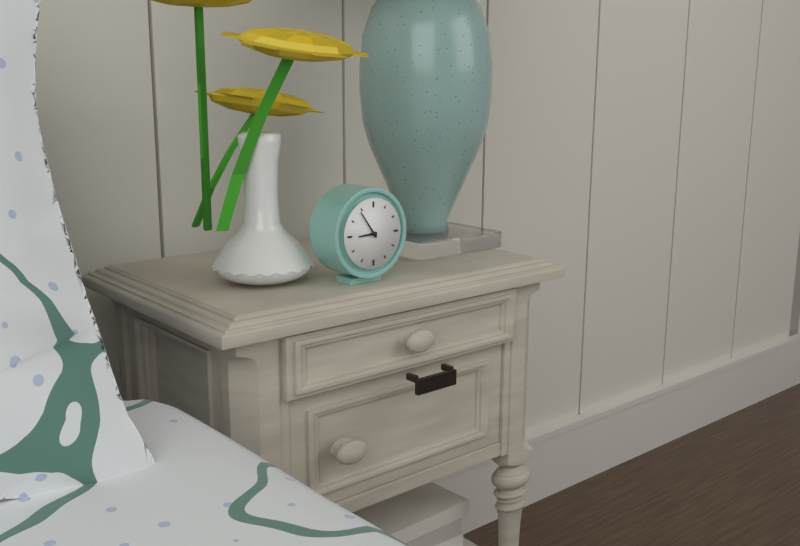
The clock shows 8:54
